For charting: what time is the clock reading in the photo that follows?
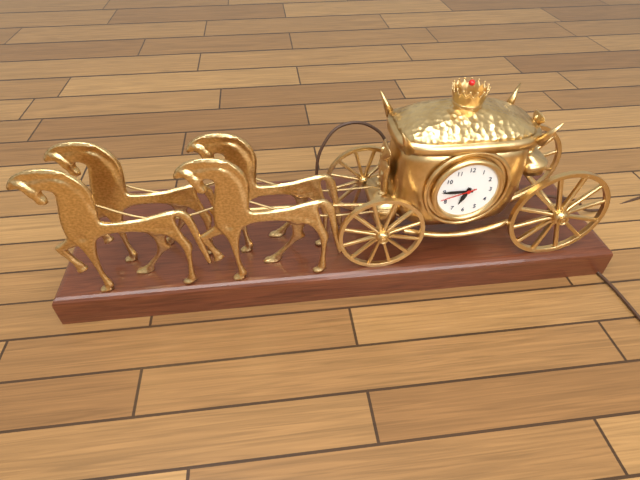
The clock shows 6:45
